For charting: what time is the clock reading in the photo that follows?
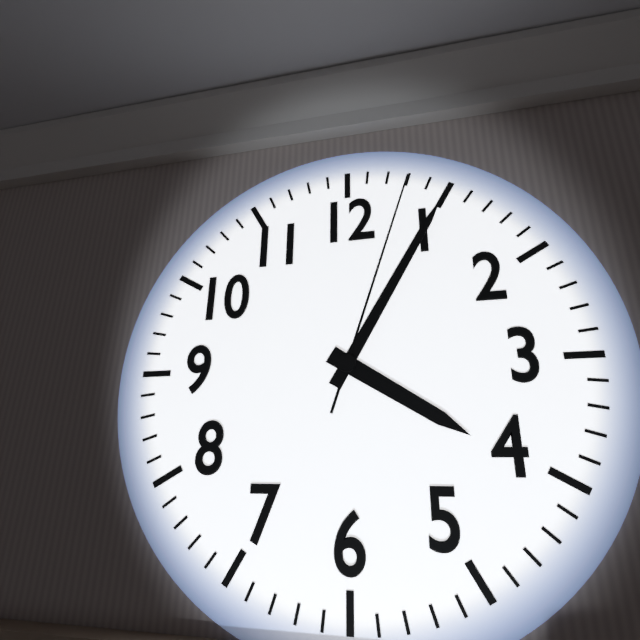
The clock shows 4:05:03
